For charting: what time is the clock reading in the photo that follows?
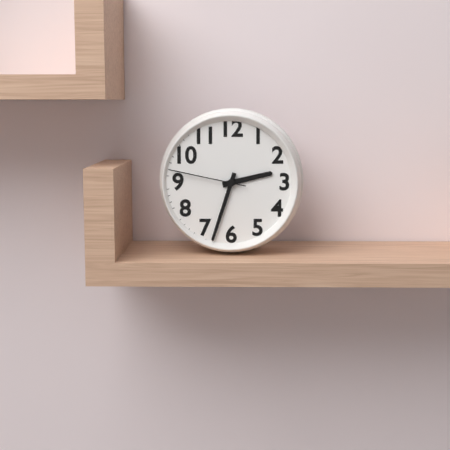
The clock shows 2:33:47
